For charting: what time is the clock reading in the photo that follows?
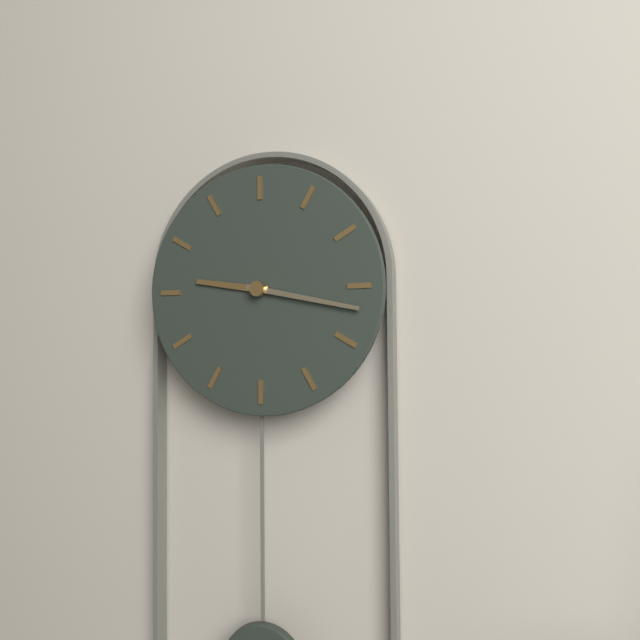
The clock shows 9:17
